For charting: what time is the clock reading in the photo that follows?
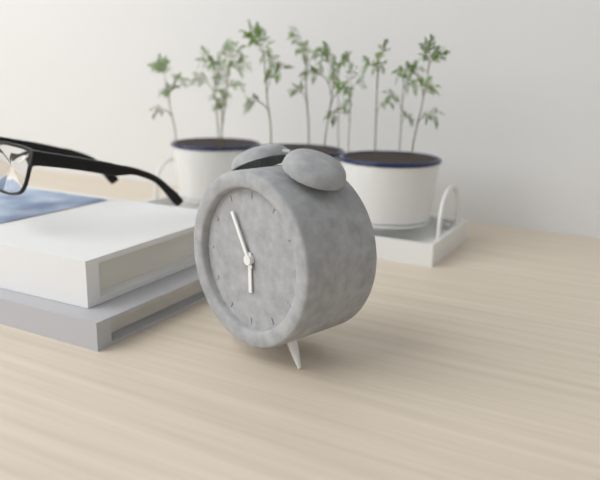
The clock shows 5:55
